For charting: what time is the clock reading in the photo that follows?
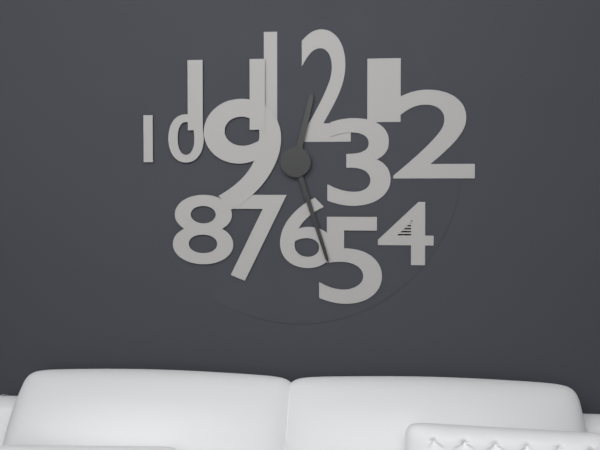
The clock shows 12:27
